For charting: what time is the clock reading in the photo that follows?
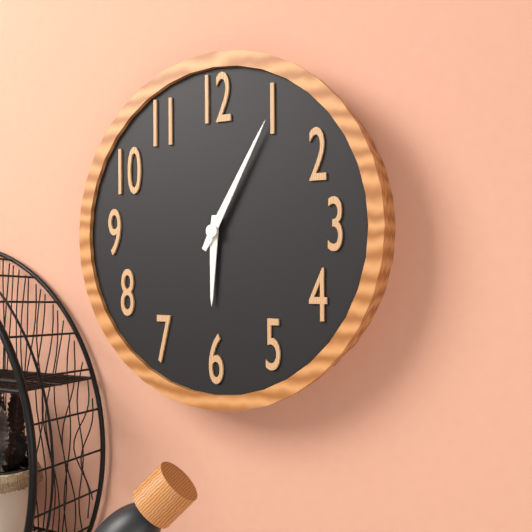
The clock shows 6:05
